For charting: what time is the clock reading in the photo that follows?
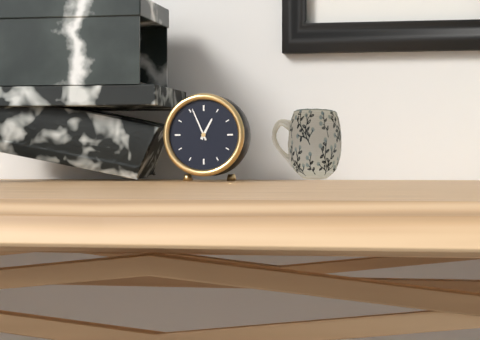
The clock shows 12:56
